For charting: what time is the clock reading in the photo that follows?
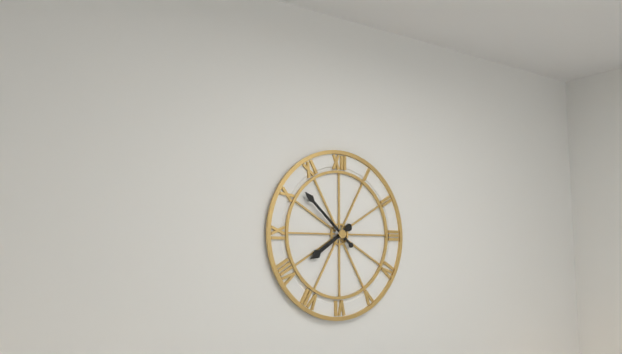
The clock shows 7:52
